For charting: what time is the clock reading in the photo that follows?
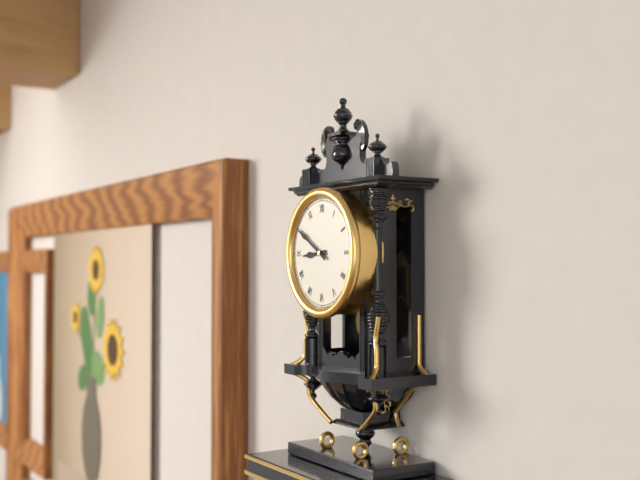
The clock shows 8:50
